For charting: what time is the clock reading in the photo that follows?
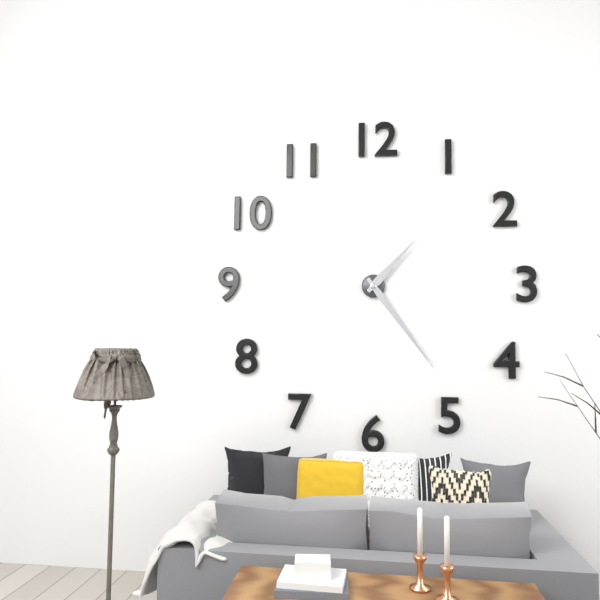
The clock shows 1:24
